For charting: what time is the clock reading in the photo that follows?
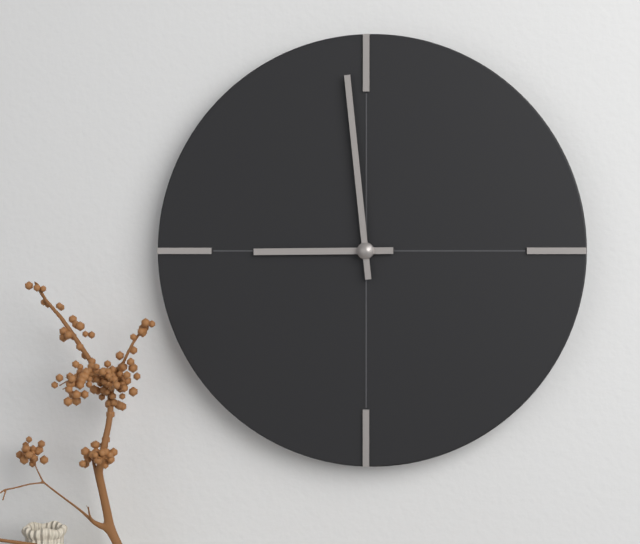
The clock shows 8:59
